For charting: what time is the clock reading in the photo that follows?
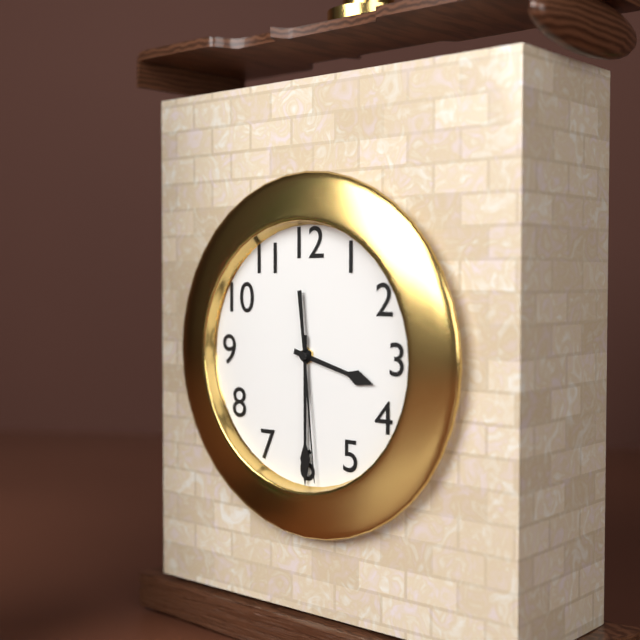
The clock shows 3:30:29
